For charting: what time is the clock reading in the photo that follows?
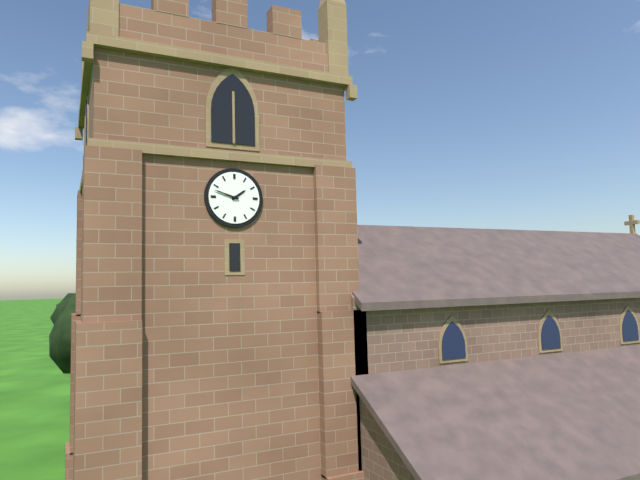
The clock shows 1:48
